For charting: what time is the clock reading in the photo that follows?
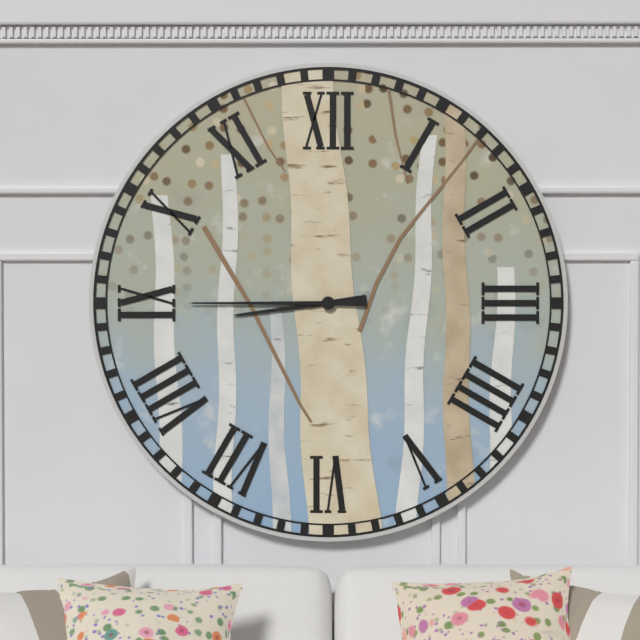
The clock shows 8:45
